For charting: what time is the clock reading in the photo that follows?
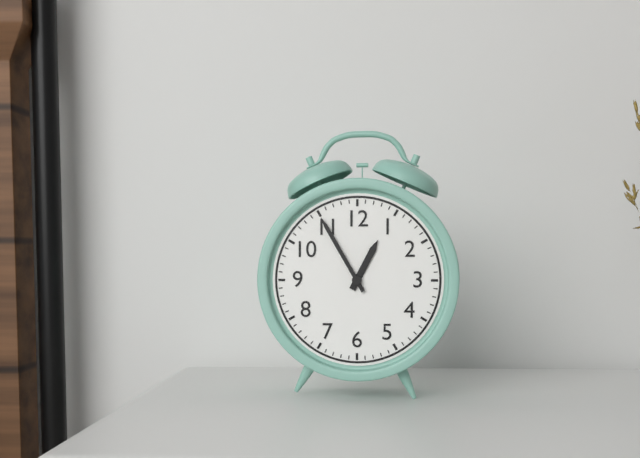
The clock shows 12:55
